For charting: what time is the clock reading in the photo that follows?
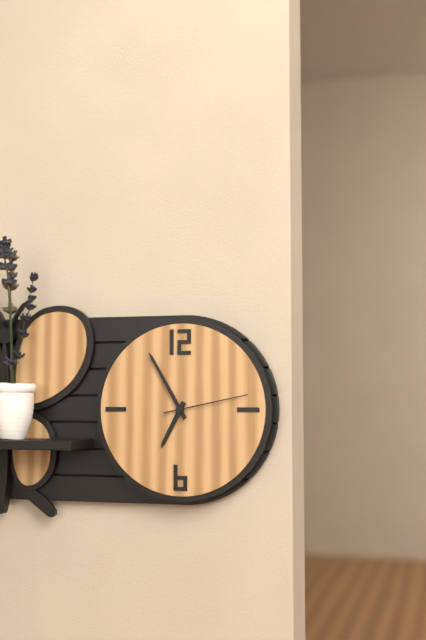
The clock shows 6:55:13
